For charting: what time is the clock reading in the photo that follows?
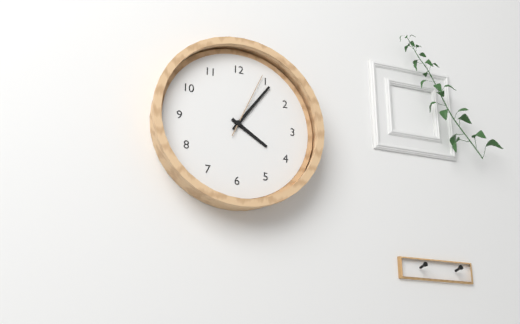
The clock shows 4:06:04
